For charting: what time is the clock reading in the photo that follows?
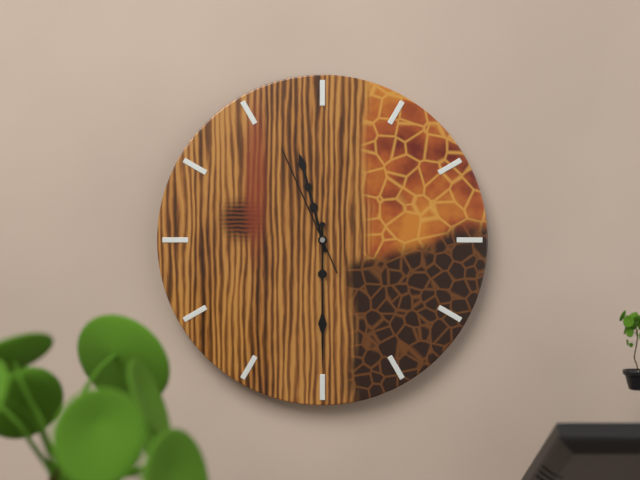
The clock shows 11:30:56
